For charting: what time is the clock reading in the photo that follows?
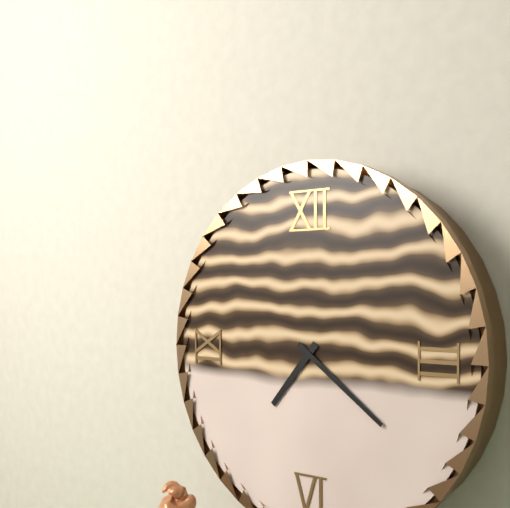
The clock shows 7:21
